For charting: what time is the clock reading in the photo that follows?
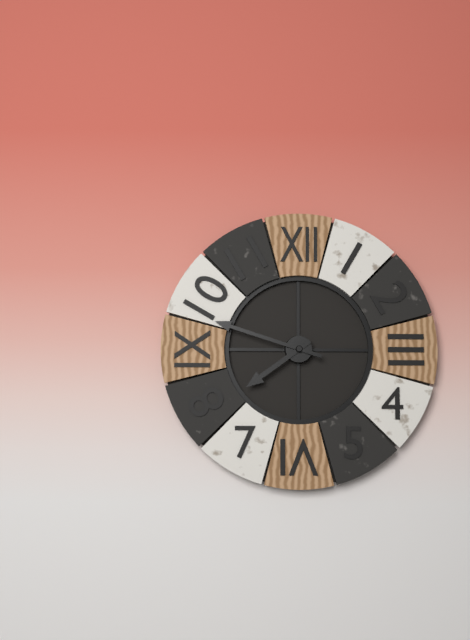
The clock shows 7:48
